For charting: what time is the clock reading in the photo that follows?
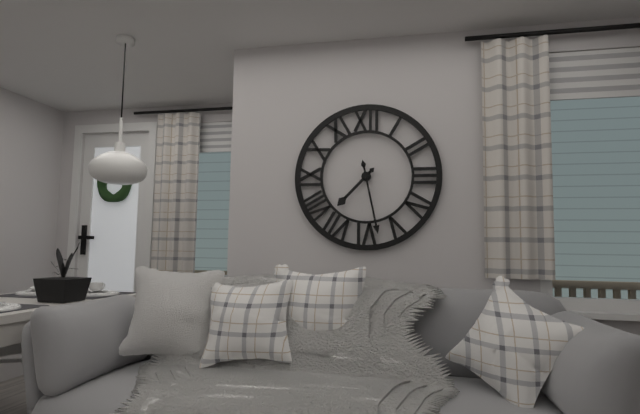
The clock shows 7:28
